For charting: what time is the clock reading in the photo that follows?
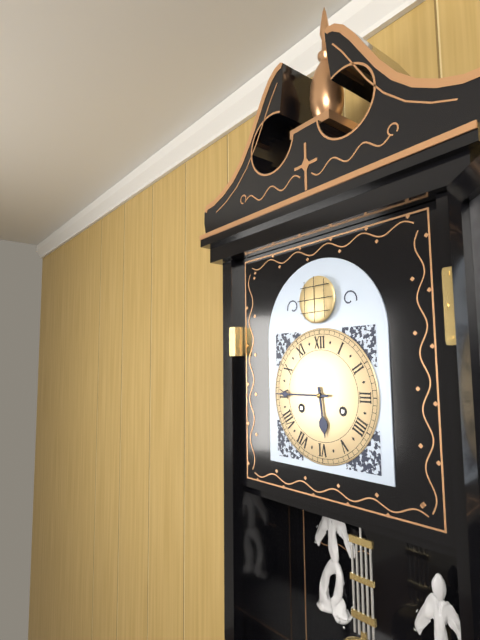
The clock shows 5:45
